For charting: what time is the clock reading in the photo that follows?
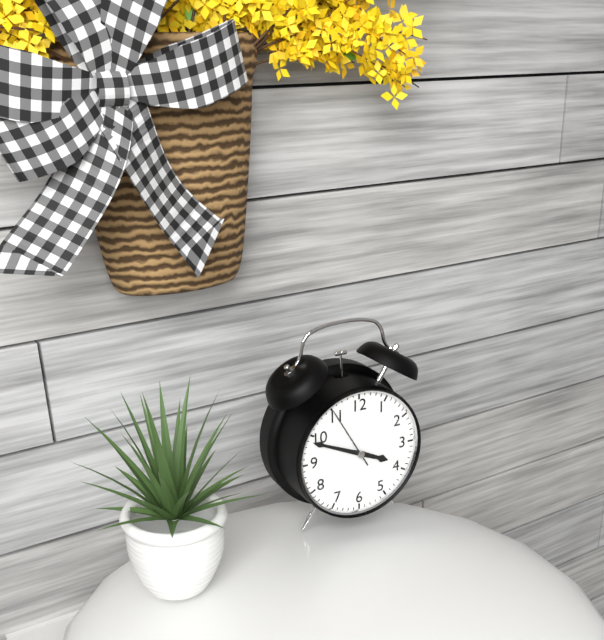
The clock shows 3:49:55
